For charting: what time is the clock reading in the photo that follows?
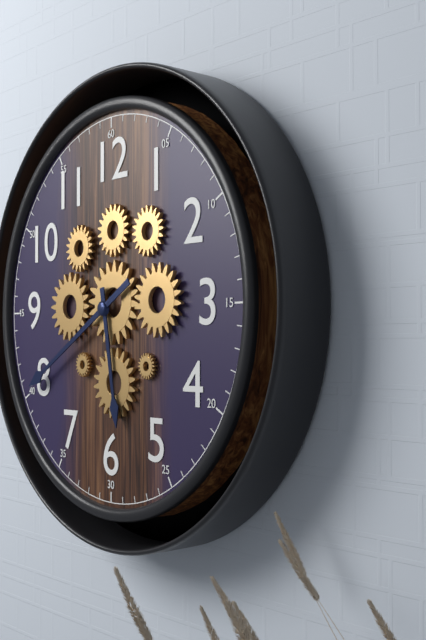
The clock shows 5:40
